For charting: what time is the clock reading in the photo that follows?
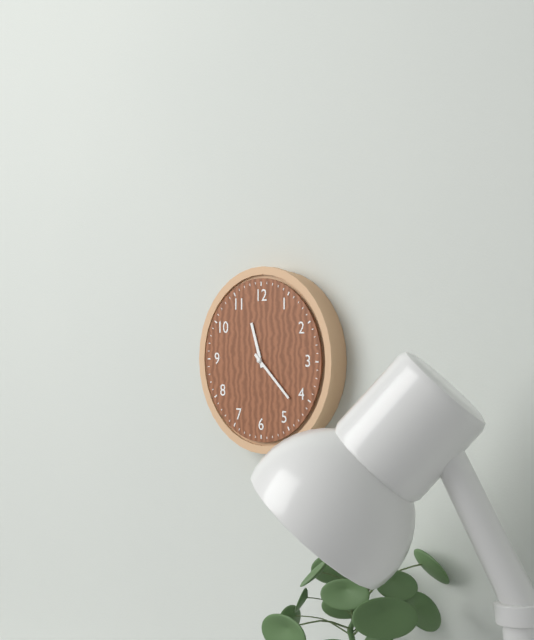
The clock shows 11:22
